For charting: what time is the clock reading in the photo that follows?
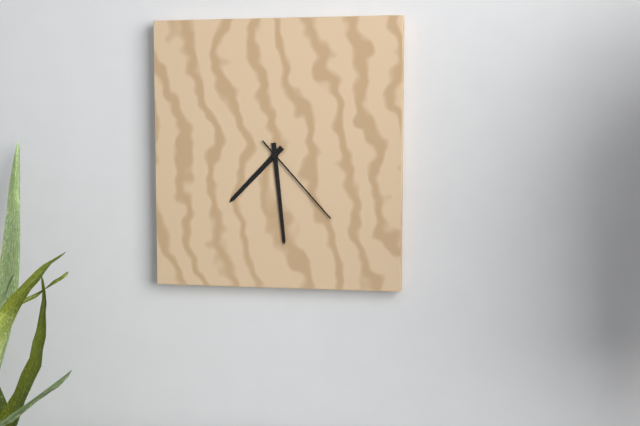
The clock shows 7:29:23
